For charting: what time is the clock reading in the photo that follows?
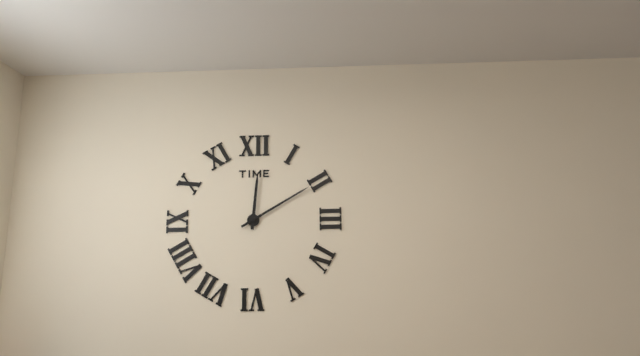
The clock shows 12:10
